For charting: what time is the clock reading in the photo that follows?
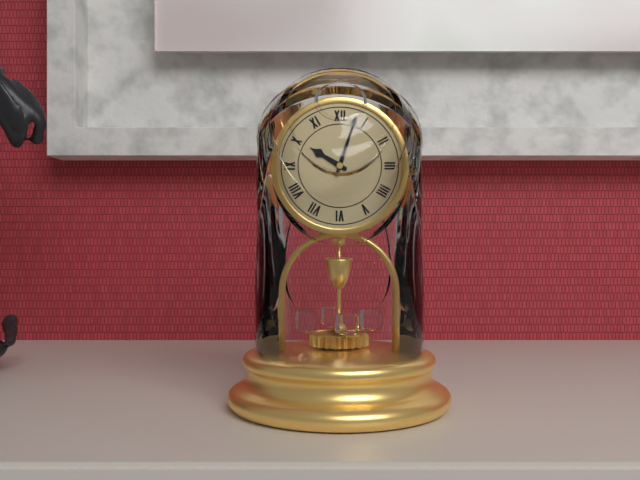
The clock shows 10:03
